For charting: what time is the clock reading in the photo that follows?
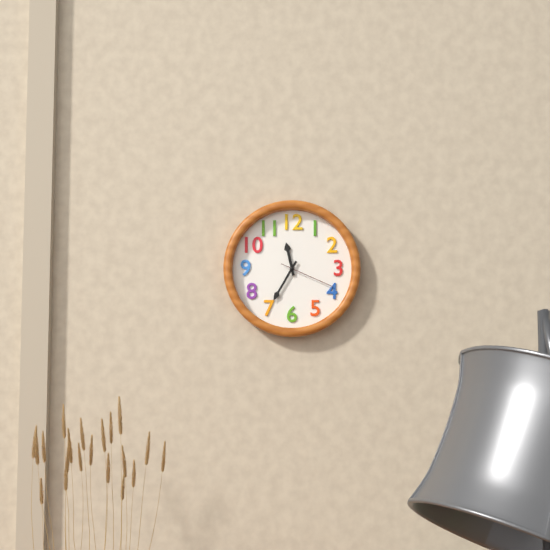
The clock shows 11:35:19
